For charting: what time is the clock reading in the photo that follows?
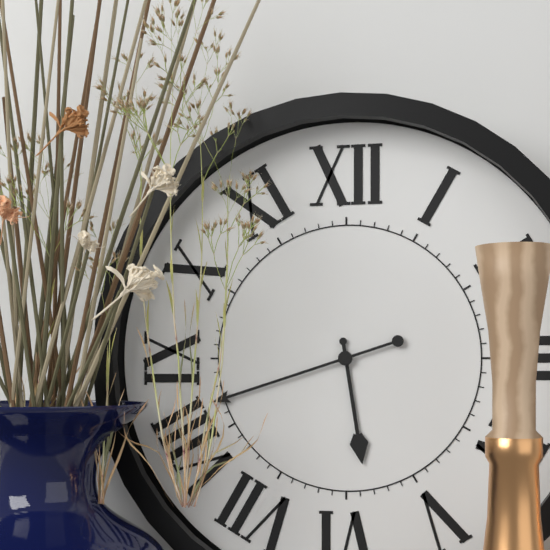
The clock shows 5:42
